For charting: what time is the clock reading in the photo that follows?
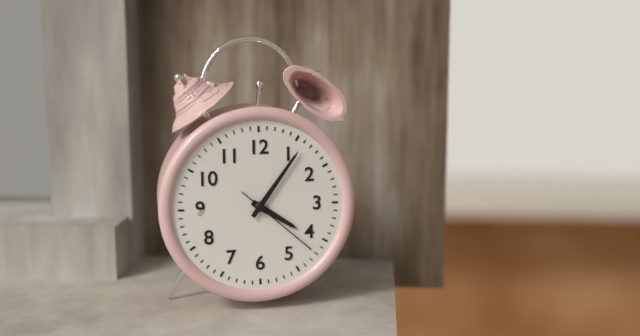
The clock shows 4:06:22
